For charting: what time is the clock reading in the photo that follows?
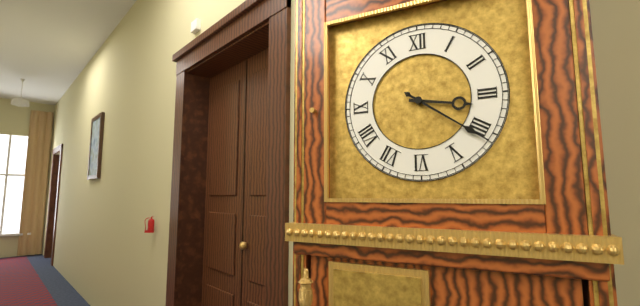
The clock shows 3:21
